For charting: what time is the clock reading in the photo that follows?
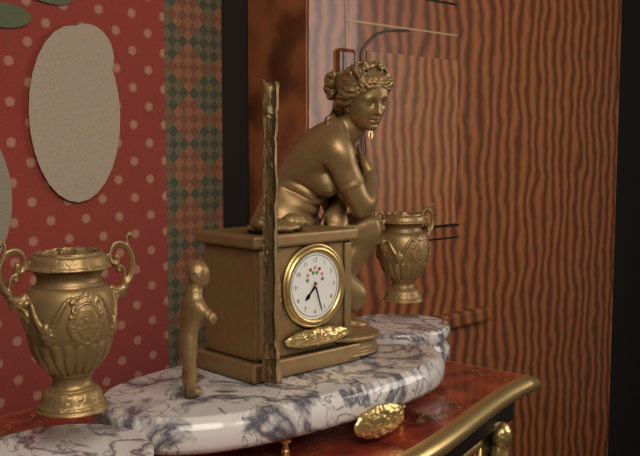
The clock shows 7:27
